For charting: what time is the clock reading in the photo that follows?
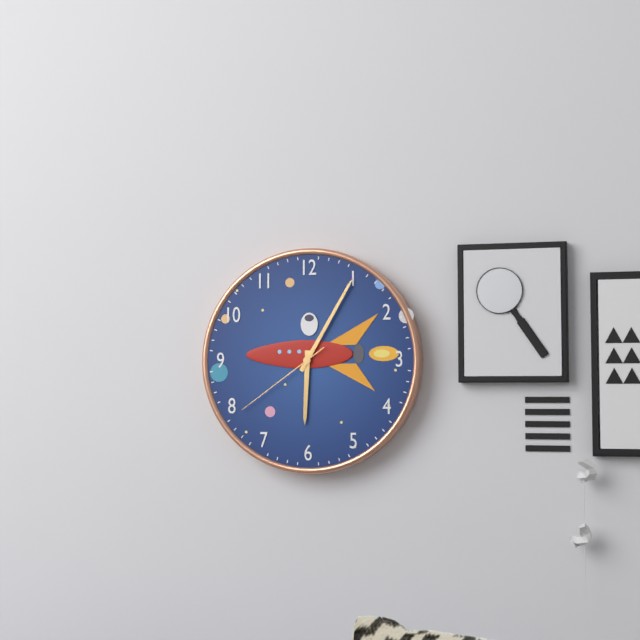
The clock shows 6:05:39
